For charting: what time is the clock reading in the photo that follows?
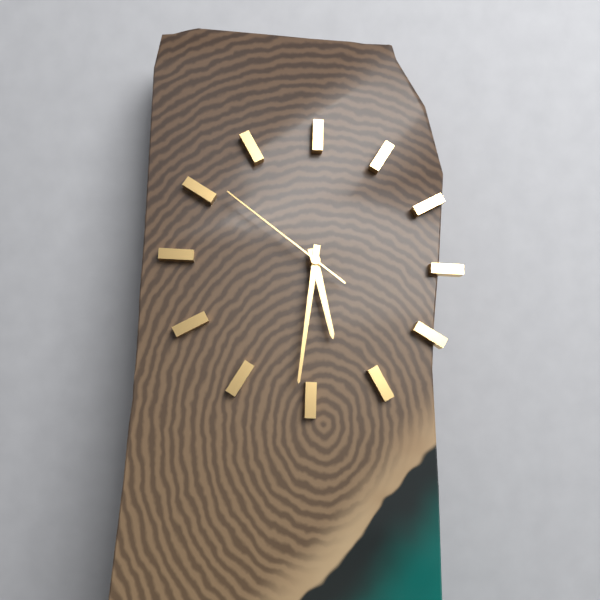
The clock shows 5:31:51
